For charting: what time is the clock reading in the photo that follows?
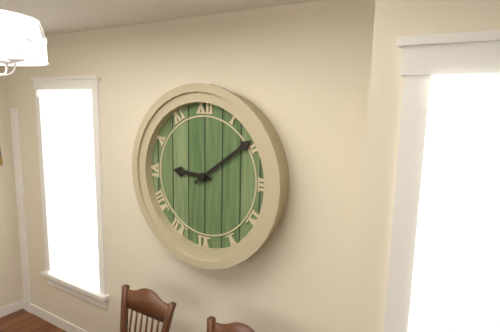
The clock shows 9:09
